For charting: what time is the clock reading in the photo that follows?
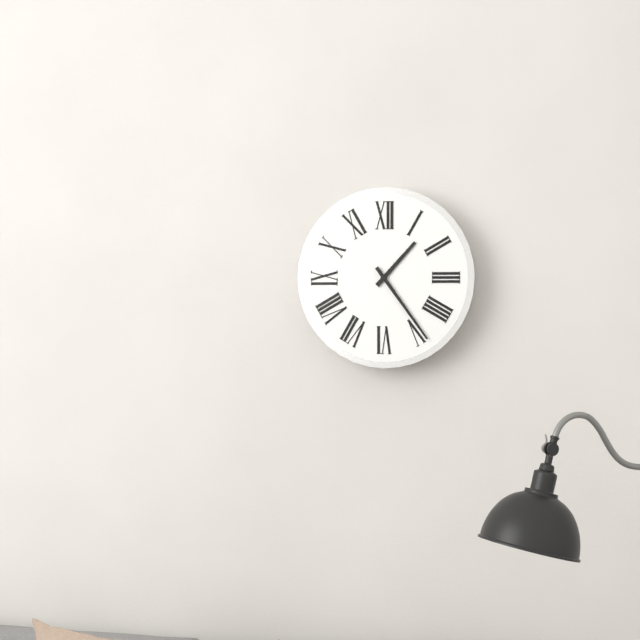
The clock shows 1:24
